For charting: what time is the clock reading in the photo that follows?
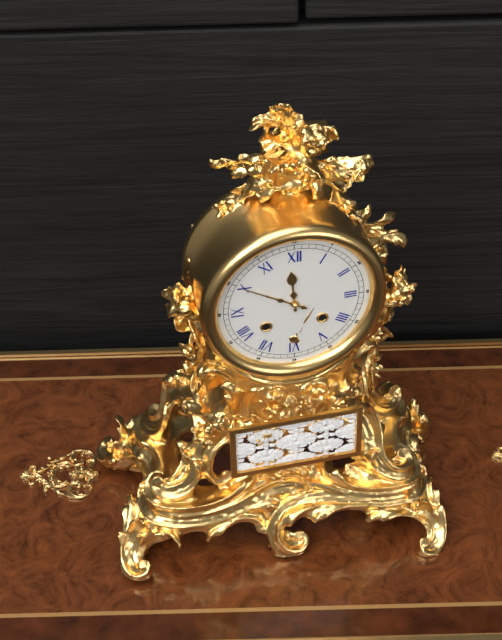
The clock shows 11:50
